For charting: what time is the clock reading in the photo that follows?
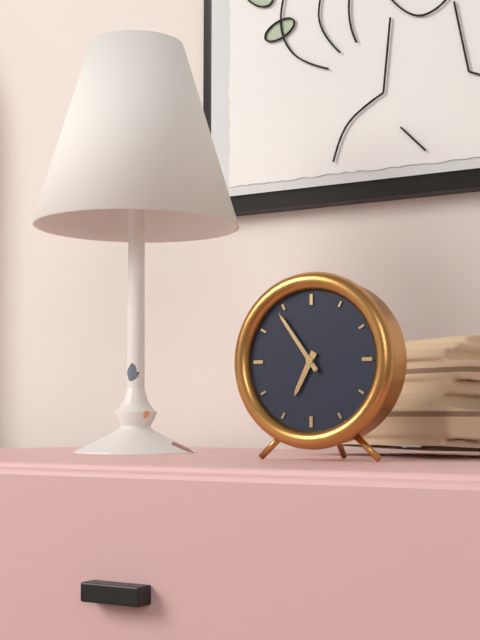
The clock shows 6:54
